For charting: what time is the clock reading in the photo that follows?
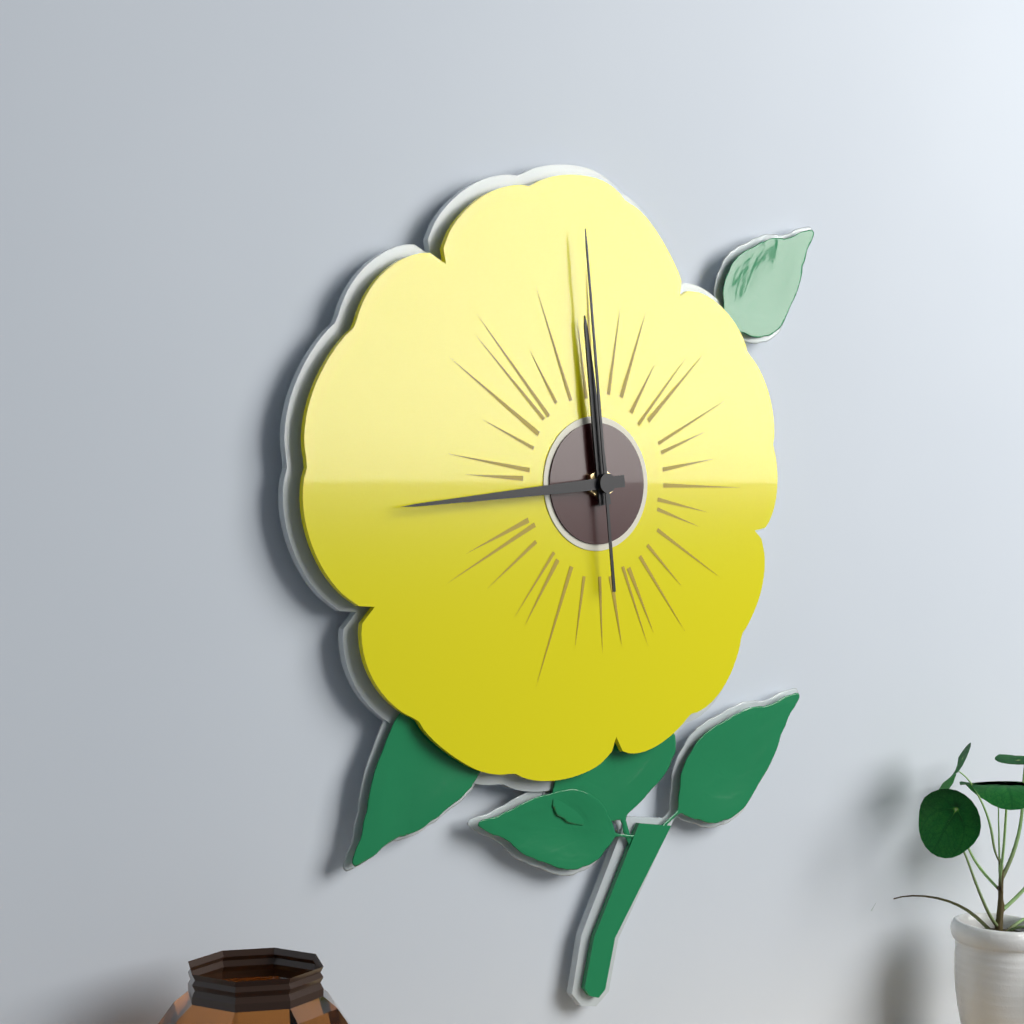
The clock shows 11:44:59
